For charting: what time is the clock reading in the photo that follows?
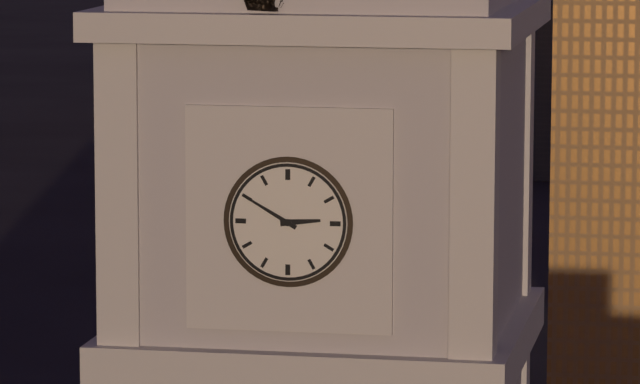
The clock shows 2:50
